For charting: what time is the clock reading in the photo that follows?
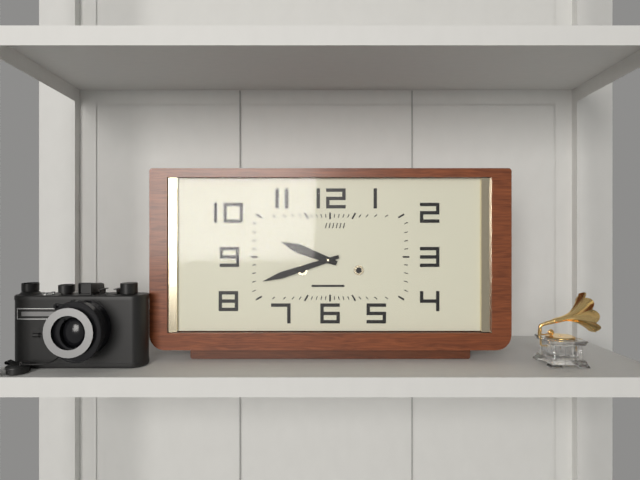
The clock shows 9:42
